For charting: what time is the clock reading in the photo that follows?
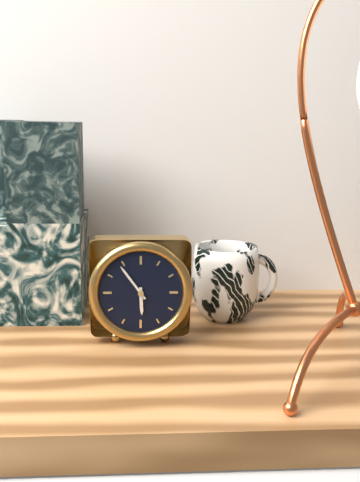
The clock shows 5:54
